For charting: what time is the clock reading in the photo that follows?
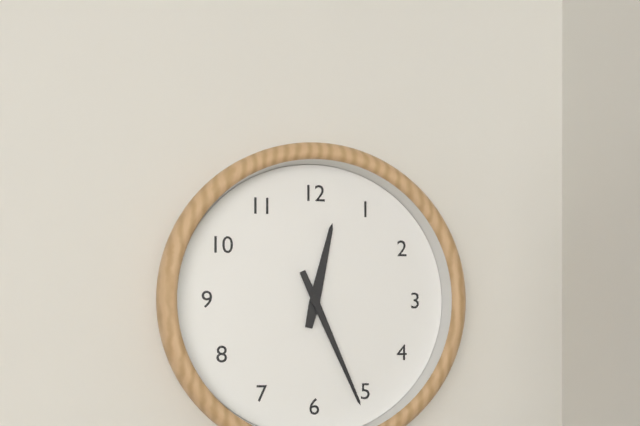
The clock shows 12:26
